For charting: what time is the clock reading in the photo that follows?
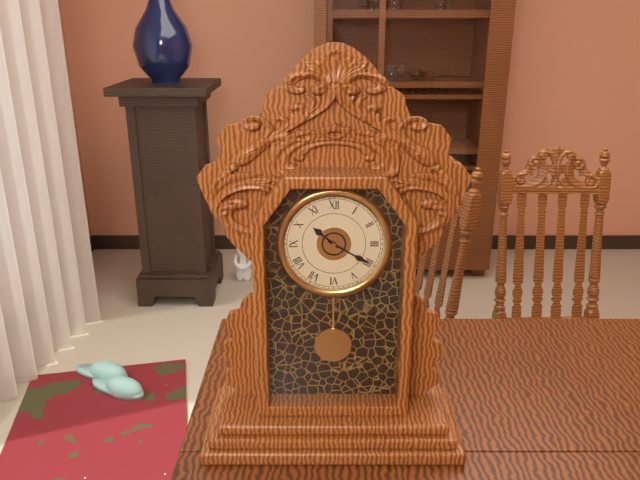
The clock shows 10:20
